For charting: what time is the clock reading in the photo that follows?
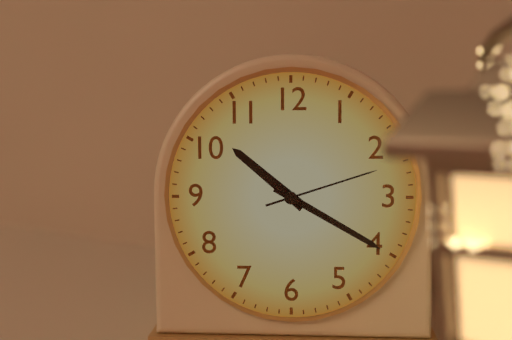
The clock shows 10:20:12
